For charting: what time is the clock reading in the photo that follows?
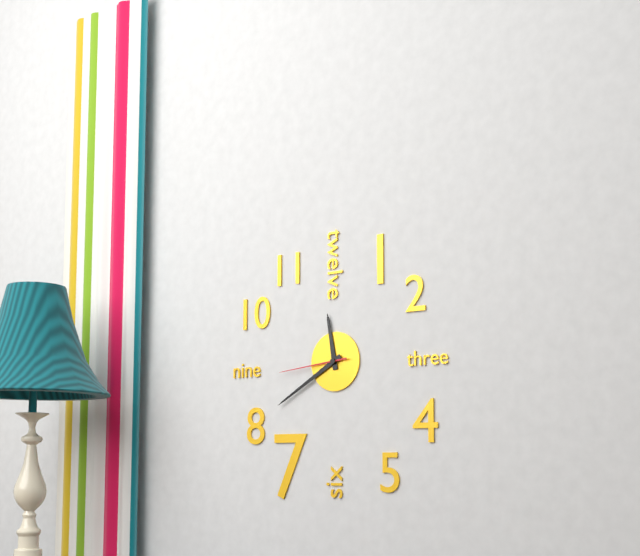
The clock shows 11:40:44
